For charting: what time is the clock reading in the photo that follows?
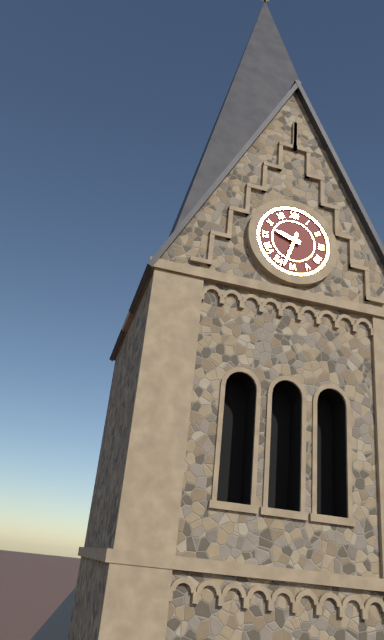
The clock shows 9:33
